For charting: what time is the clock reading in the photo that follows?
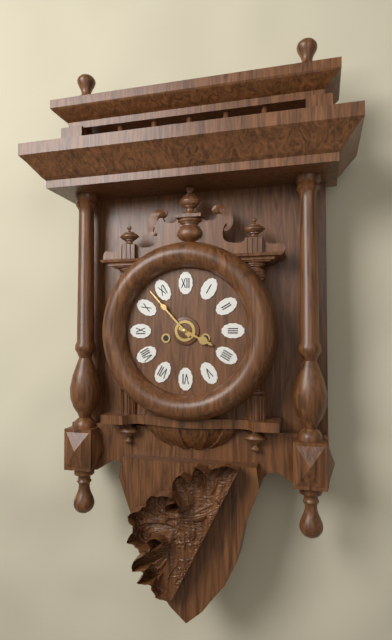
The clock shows 3:53
